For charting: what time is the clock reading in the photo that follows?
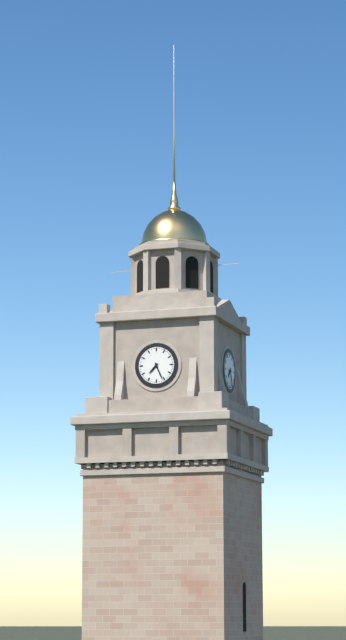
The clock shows 7:26
